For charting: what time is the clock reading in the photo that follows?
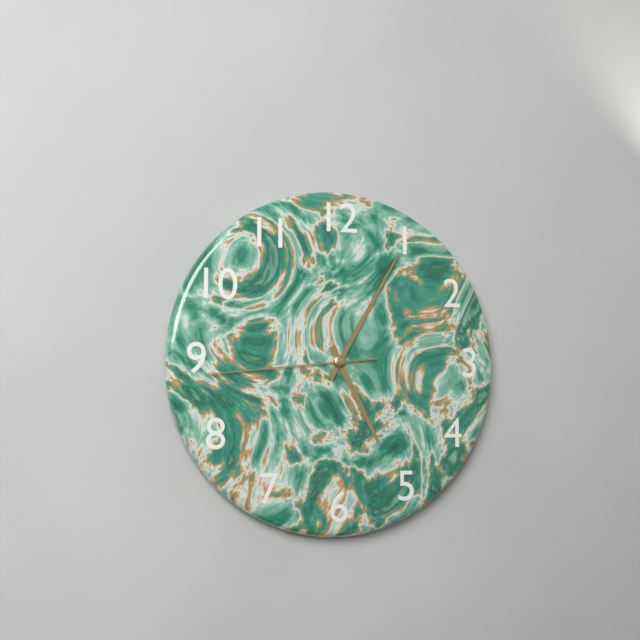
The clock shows 5:05:44
